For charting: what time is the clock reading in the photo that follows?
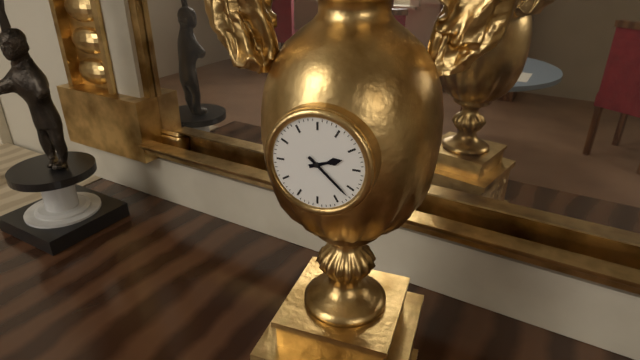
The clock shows 2:22
